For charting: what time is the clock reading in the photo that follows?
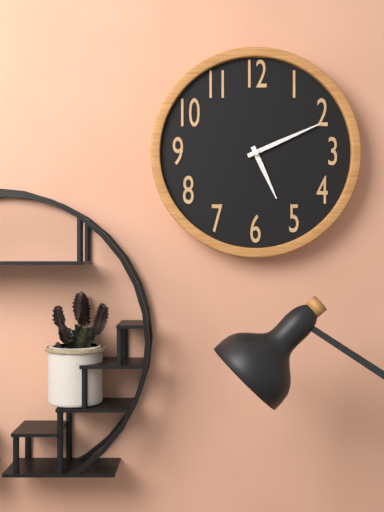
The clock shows 5:11
